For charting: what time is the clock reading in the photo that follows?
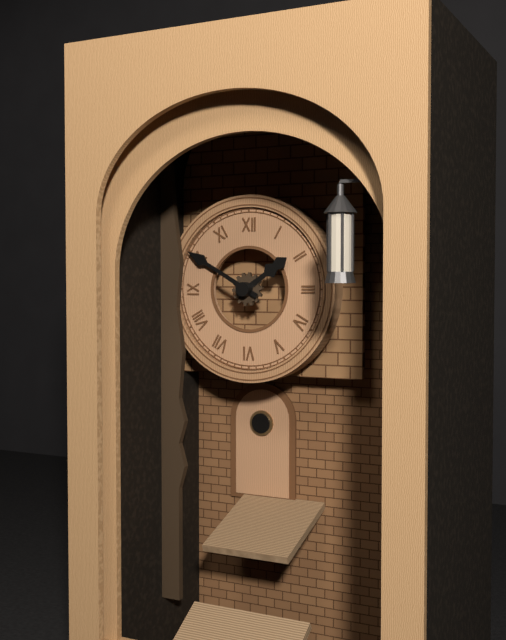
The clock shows 1:50
